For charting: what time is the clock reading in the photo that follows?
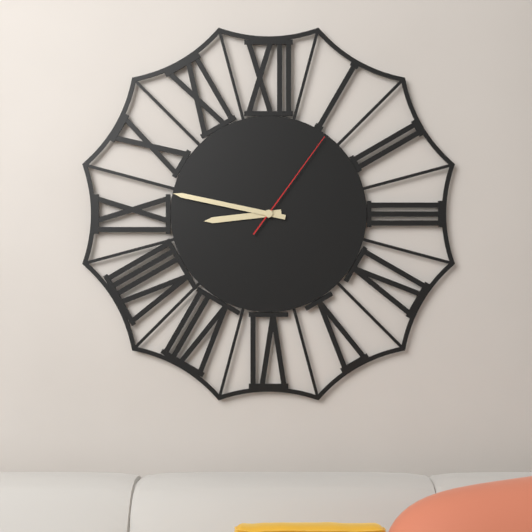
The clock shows 8:47:06
